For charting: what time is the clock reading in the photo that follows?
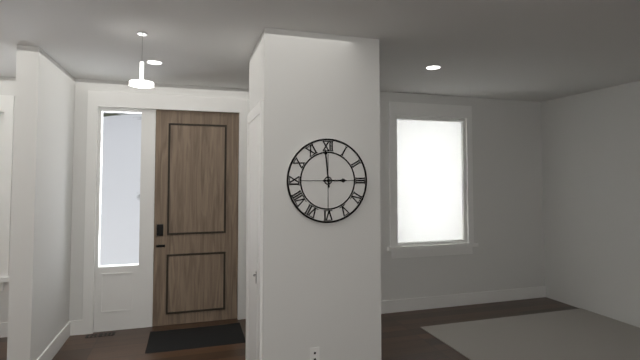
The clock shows 2:59
